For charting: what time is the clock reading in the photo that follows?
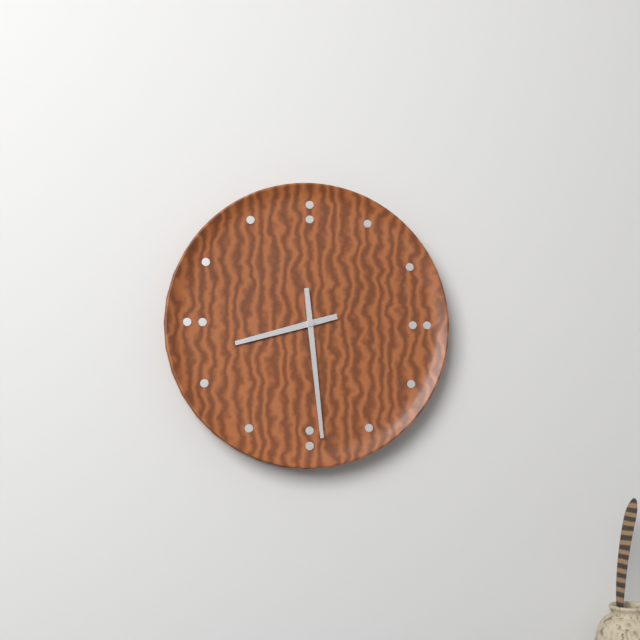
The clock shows 8:29
